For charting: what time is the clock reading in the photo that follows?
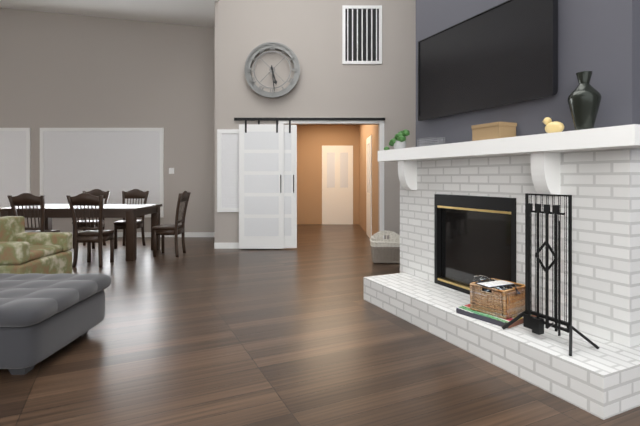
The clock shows 5:29
